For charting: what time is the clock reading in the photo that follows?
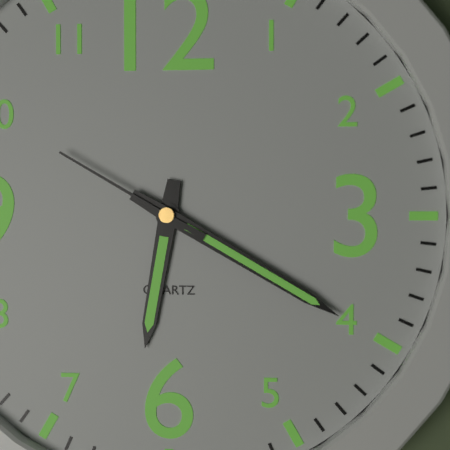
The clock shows 6:20:50
